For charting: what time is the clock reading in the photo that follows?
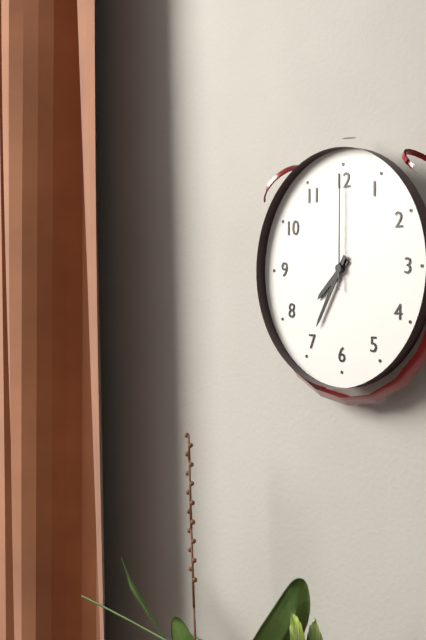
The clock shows 7:35:00
